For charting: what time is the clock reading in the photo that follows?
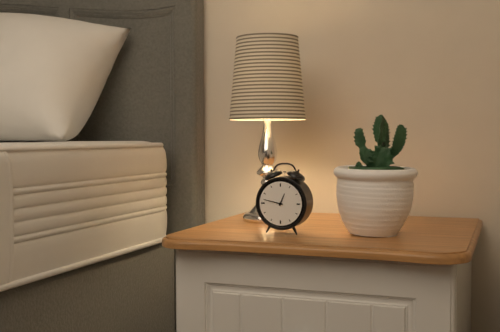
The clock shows 12:47
